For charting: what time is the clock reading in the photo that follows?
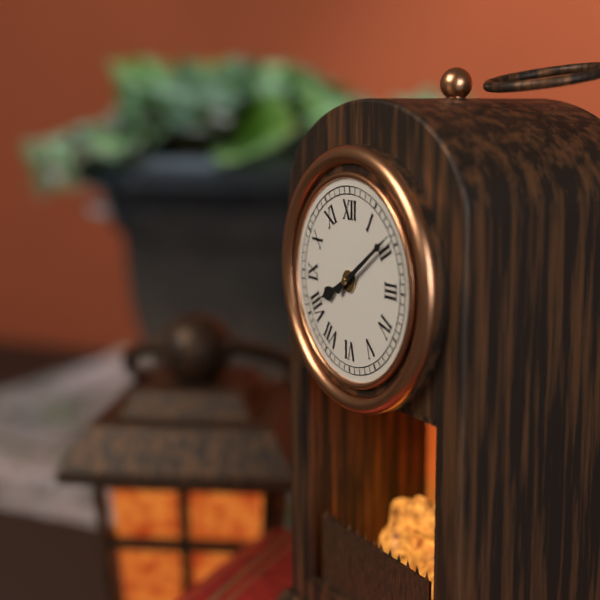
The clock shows 8:09
